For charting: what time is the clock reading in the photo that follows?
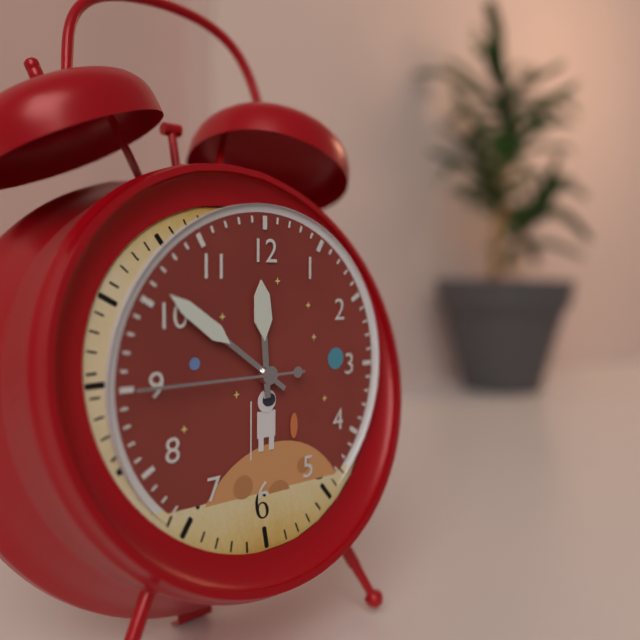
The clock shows 11:51:45
